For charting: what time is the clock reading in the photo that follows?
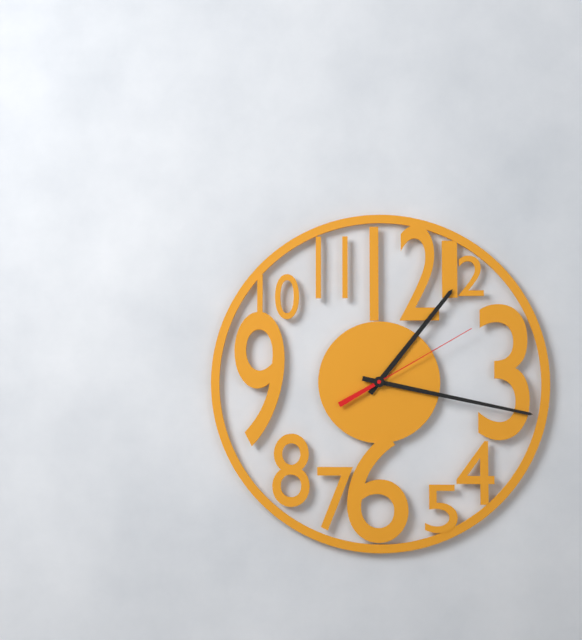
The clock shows 1:17:10
